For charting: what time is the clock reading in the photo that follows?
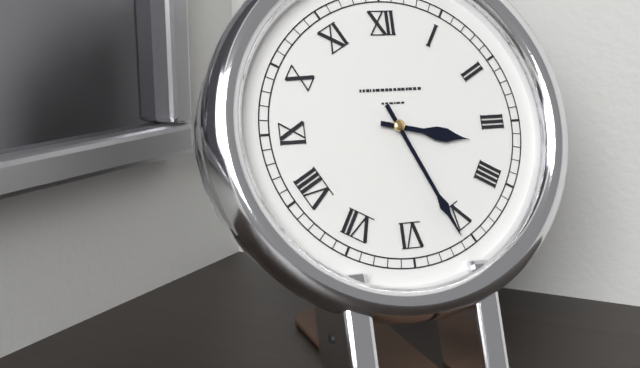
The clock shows 3:26
